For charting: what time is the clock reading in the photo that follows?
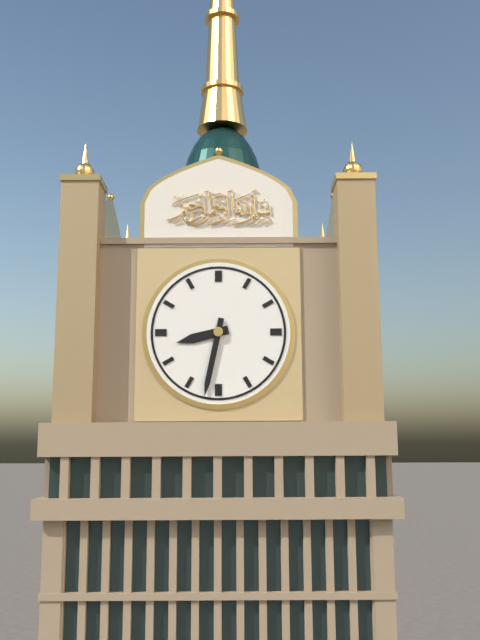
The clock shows 8:32
